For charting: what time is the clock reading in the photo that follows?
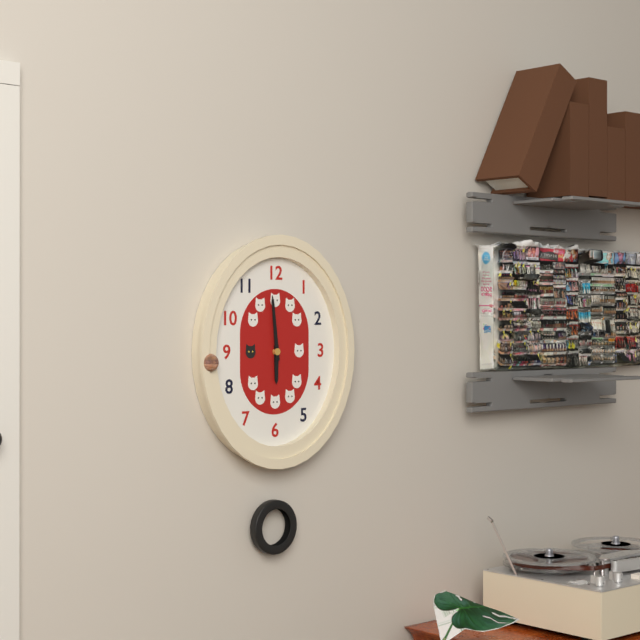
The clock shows 5:59
